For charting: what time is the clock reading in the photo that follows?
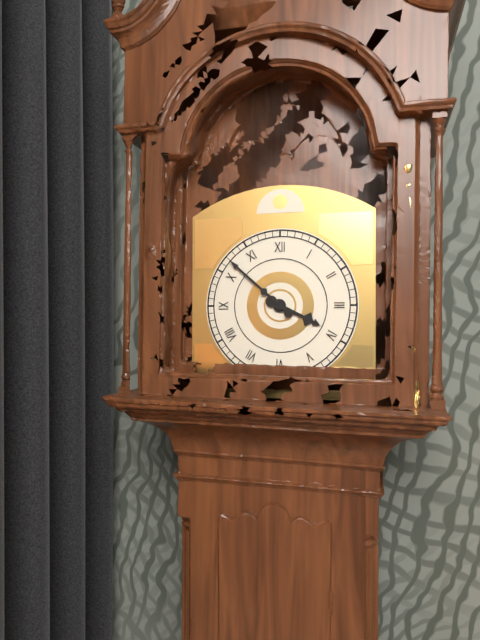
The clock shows 3:52
